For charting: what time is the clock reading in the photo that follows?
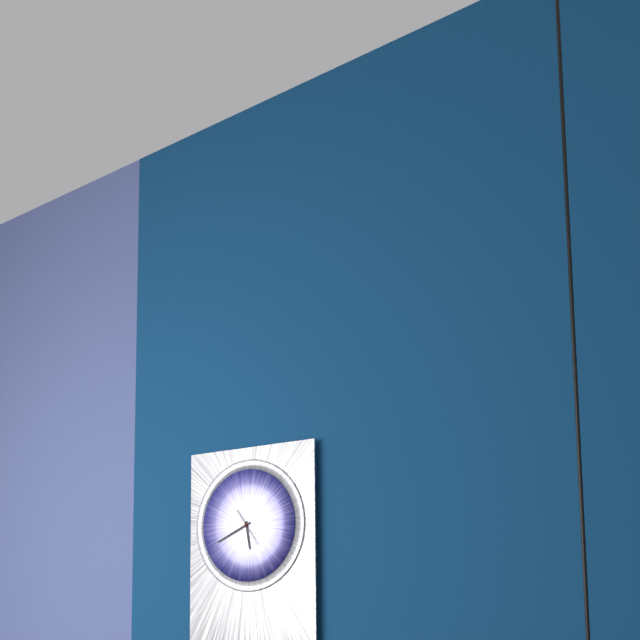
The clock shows 5:41
